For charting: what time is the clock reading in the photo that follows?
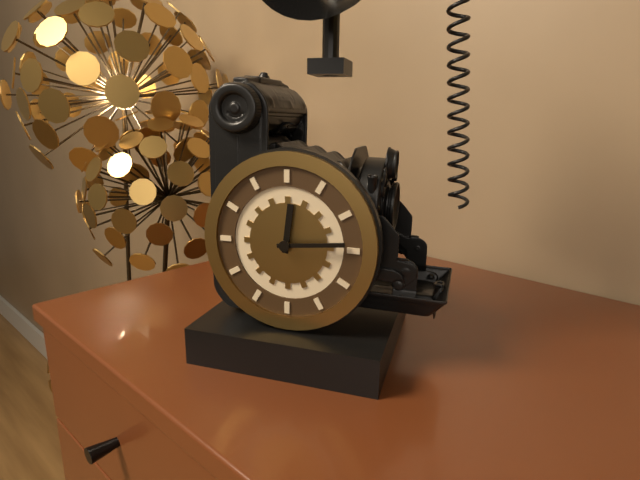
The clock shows 12:14
